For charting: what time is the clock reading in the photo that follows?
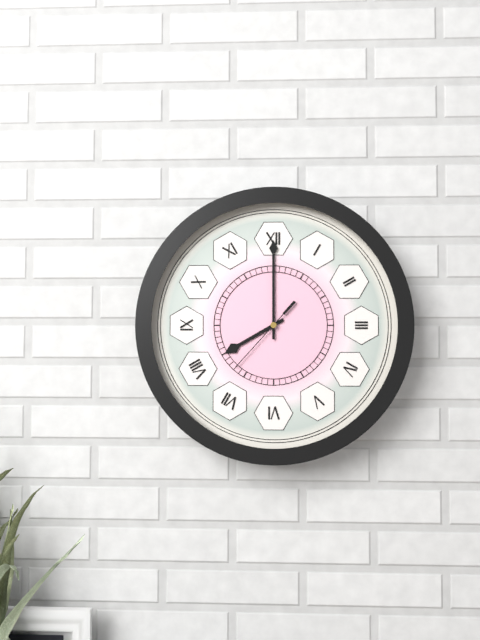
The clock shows 8:00:37
